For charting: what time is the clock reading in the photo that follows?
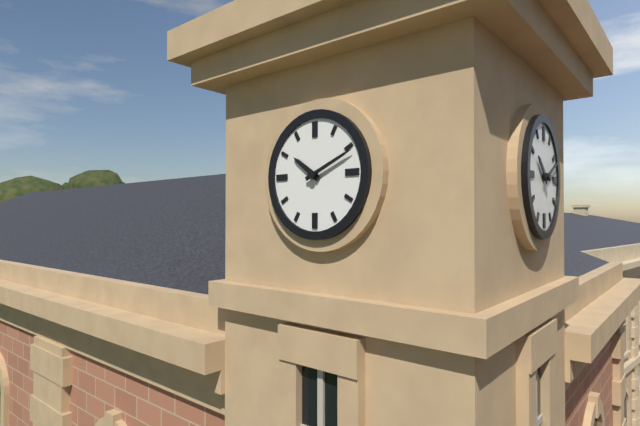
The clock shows 10:11
